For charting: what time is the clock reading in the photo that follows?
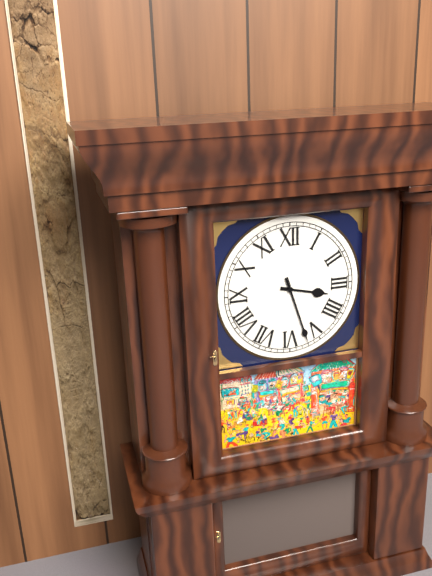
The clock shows 3:27
